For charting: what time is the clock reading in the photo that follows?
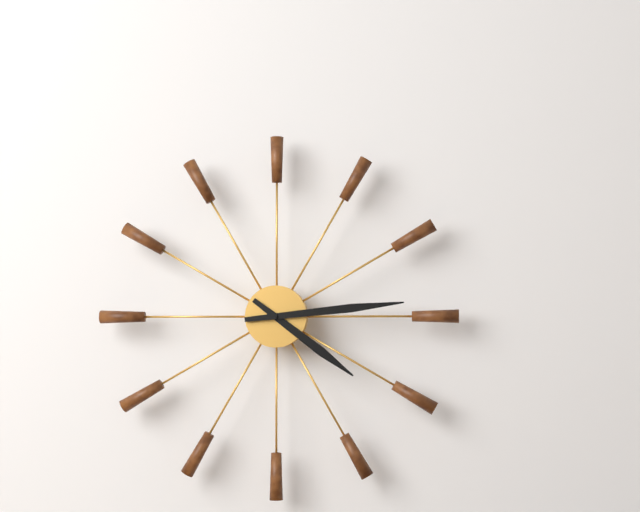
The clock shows 4:14
